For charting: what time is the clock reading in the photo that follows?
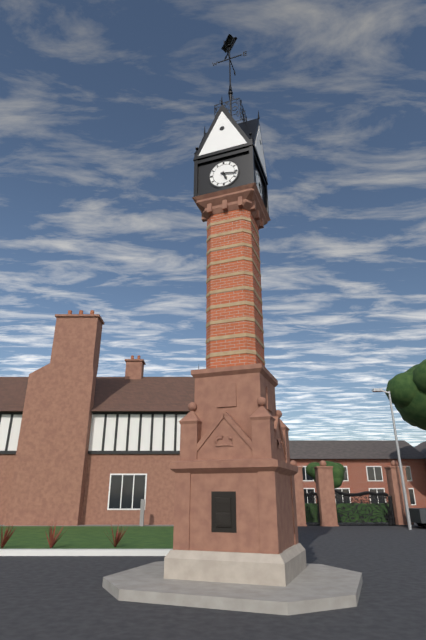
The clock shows 5:17
